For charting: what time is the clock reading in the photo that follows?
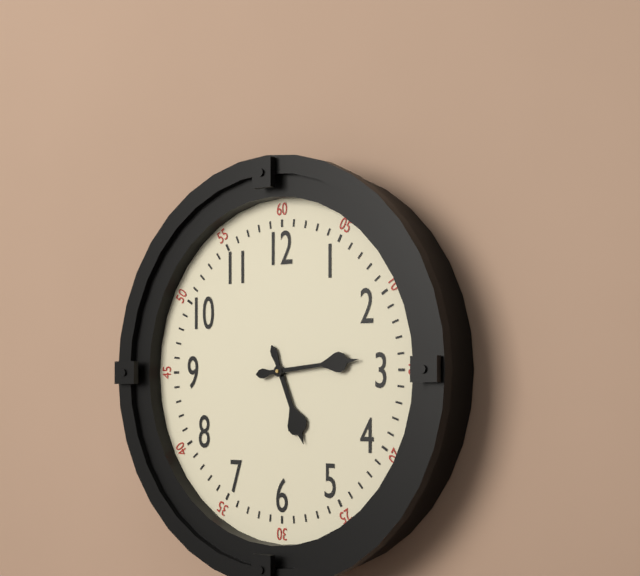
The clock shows 5:14
